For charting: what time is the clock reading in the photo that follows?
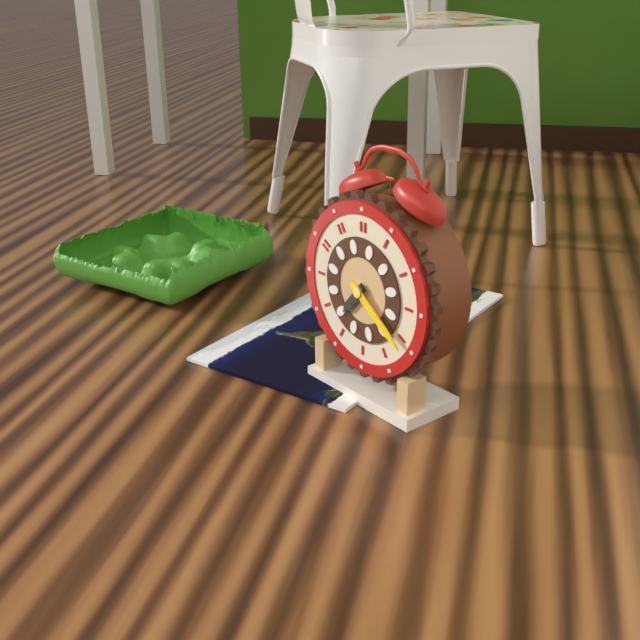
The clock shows 7:21
